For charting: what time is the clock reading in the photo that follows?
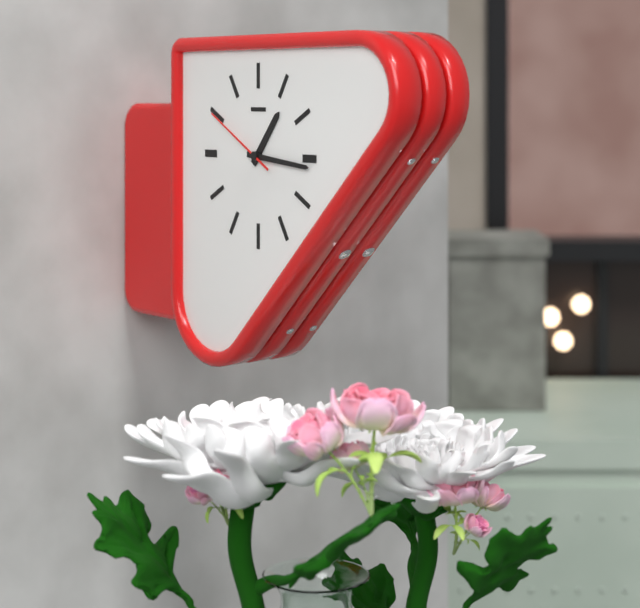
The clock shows 1:16:50
